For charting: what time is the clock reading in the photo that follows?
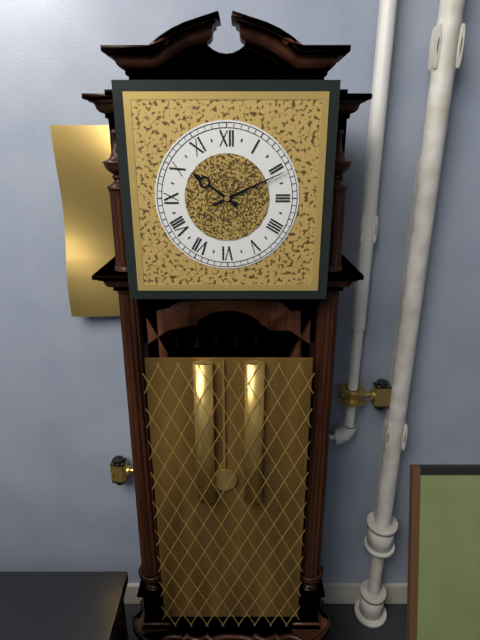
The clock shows 10:11
